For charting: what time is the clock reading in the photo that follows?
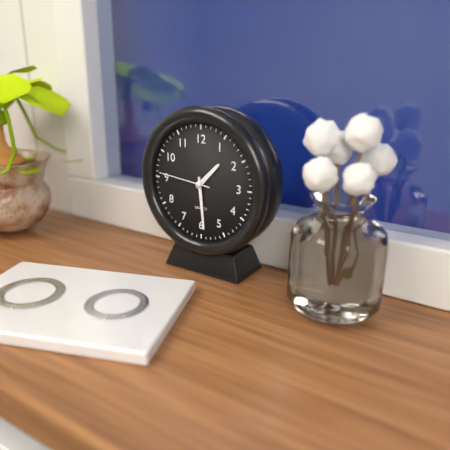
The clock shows 1:29:46
